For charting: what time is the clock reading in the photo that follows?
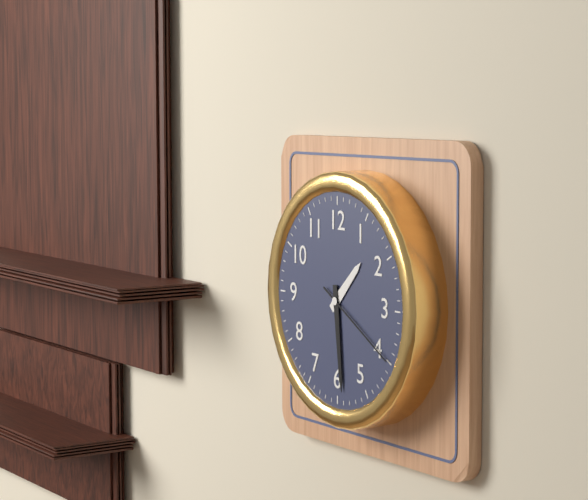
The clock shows 1:29:20
